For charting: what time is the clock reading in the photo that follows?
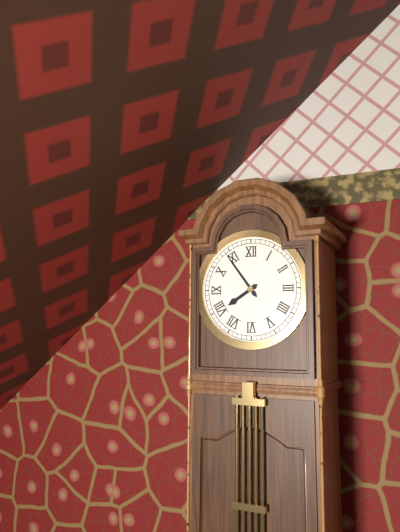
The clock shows 7:54
